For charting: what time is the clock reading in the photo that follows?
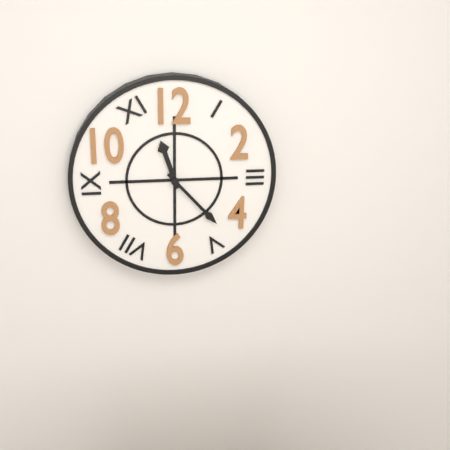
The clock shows 11:23
